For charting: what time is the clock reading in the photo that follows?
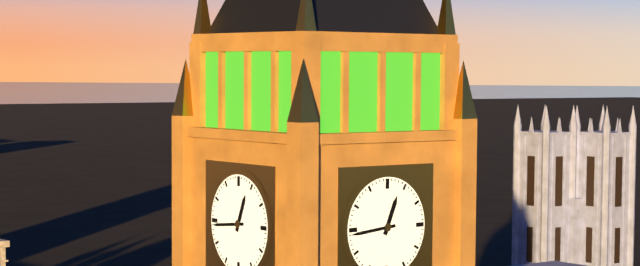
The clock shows 12:44
